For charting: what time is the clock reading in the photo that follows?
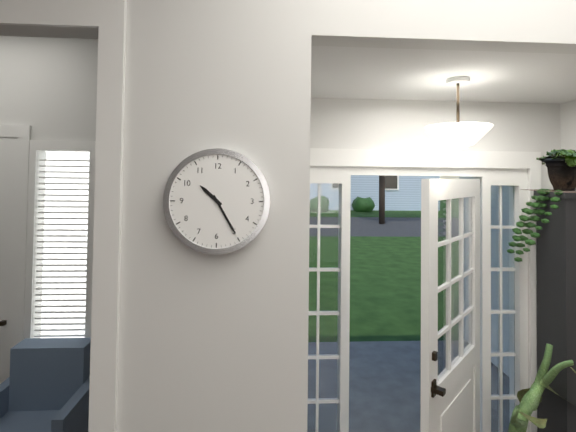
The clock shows 10:25
